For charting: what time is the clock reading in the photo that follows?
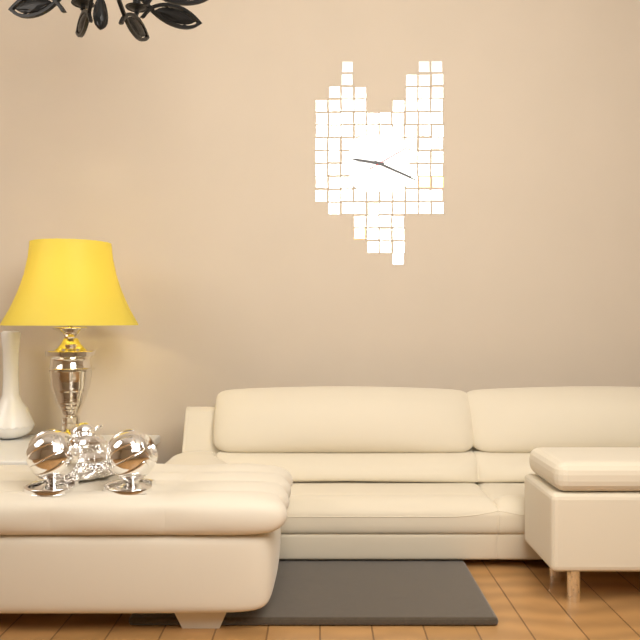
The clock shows 9:19
